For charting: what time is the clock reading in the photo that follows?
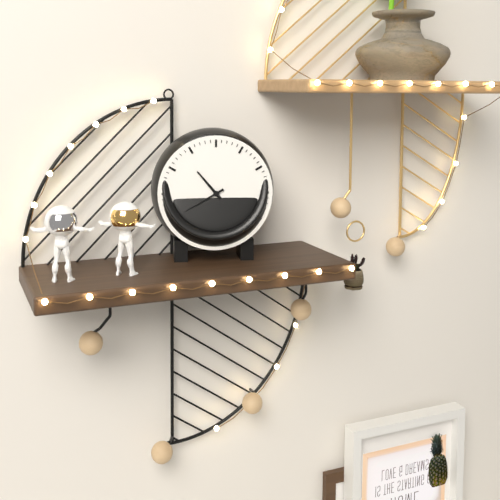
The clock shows 10:40
